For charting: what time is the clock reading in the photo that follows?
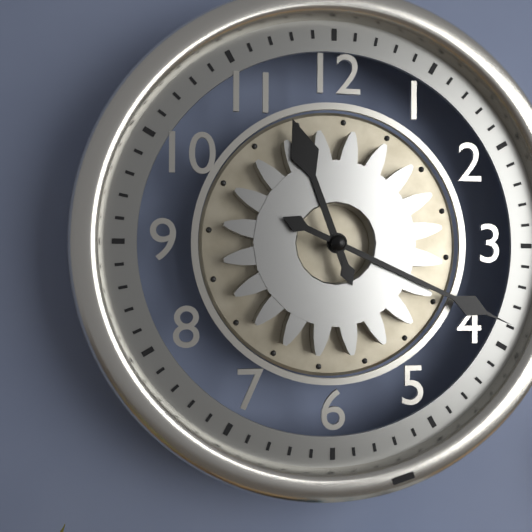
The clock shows 11:19
